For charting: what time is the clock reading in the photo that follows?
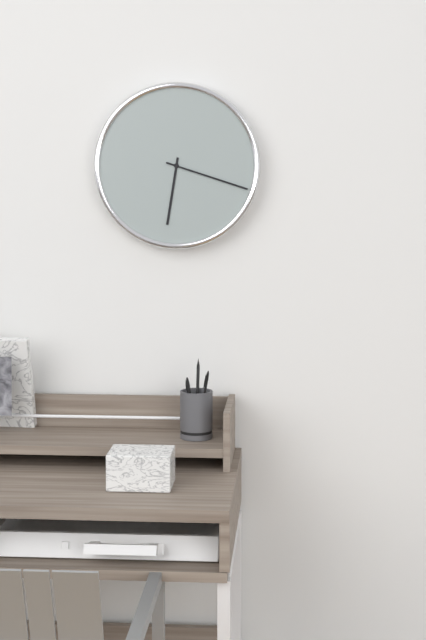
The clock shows 6:18
